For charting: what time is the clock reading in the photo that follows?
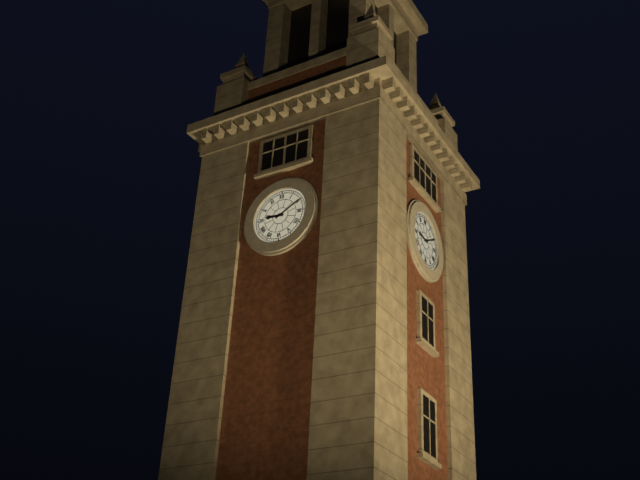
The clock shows 9:10
